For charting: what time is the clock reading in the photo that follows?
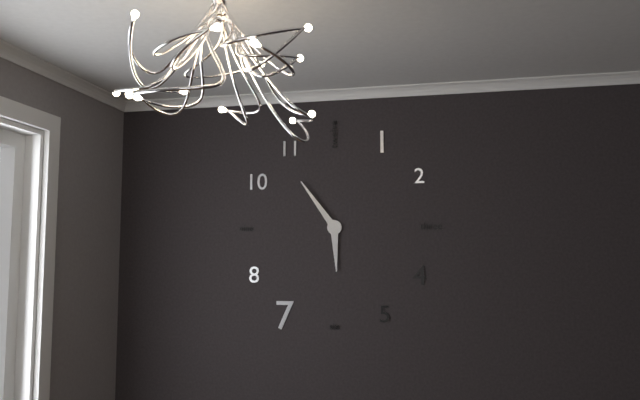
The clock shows 5:54
